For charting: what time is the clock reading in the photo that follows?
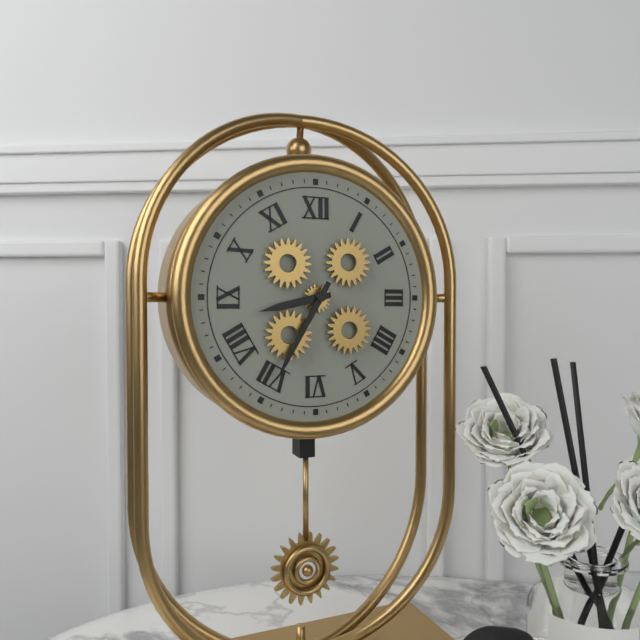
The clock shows 8:35
